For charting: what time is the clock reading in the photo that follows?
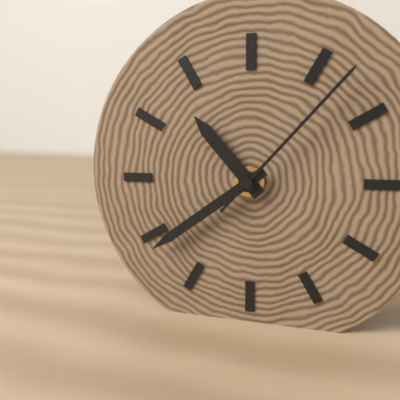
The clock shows 10:39:07
